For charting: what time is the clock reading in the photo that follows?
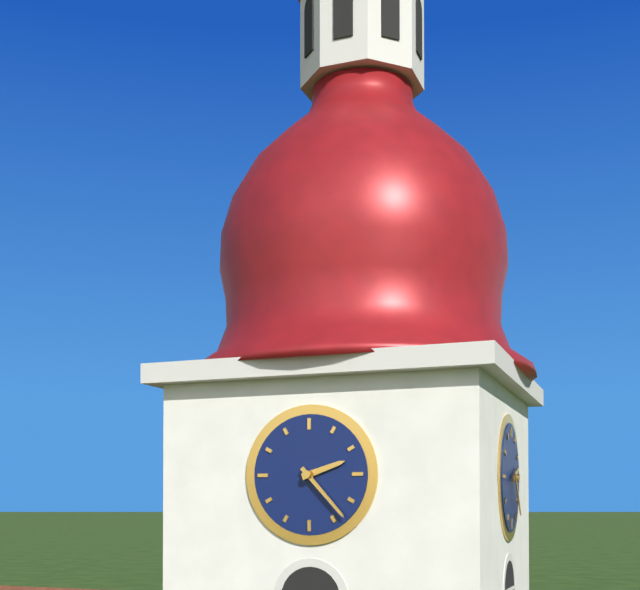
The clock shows 2:23
